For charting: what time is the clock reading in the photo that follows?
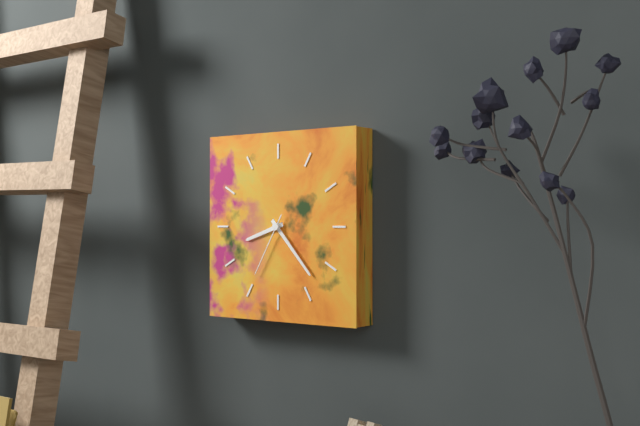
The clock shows 8:23:35
